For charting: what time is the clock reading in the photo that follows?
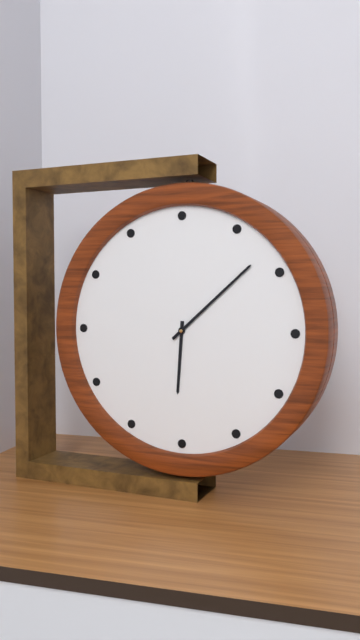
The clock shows 6:08
